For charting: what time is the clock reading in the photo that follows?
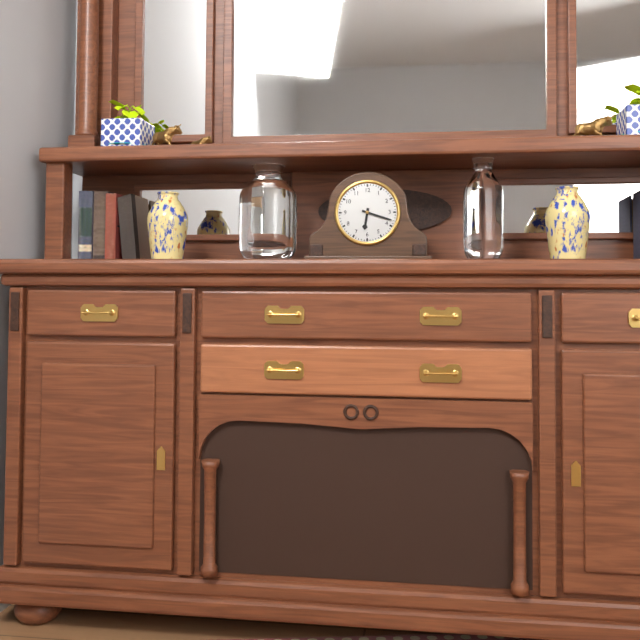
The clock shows 6:18
